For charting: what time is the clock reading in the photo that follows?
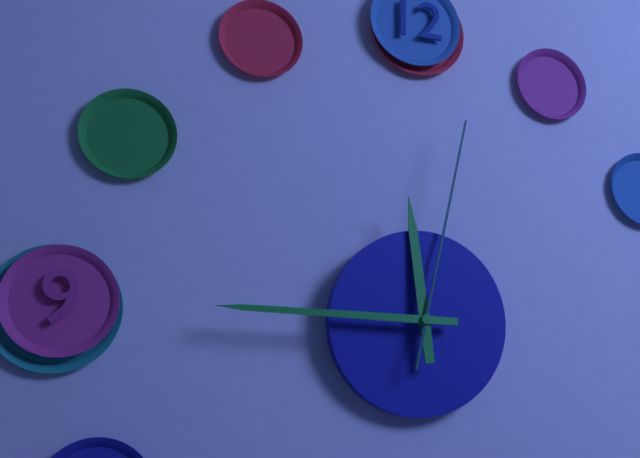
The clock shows 11:45:02
